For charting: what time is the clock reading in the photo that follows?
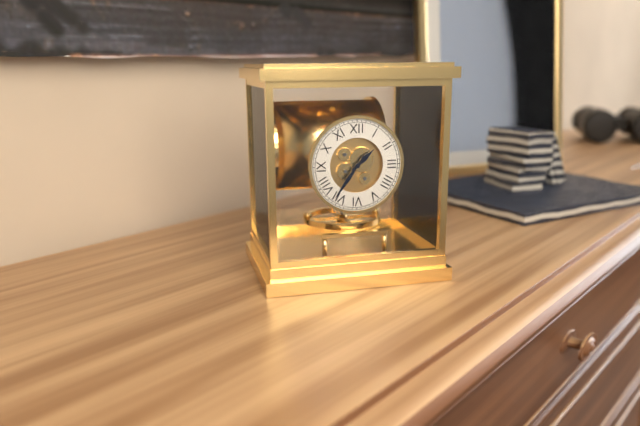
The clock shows 1:36
